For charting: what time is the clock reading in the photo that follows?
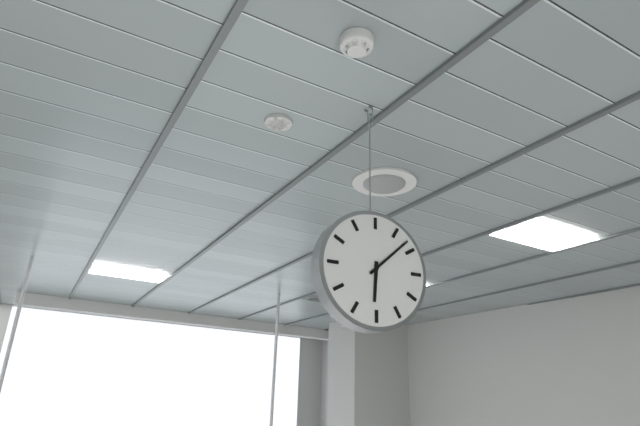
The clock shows 6:08
